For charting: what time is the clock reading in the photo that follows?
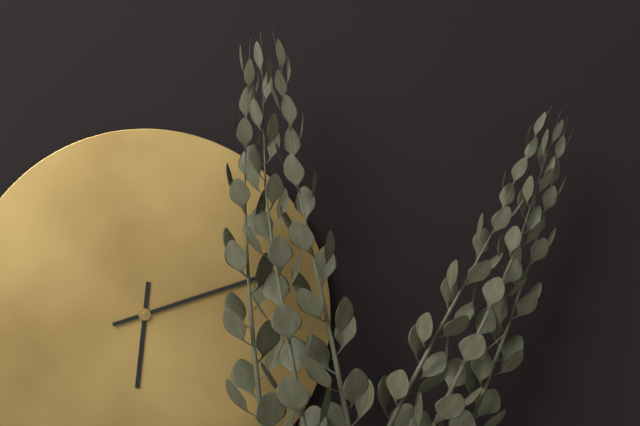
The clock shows 6:12
